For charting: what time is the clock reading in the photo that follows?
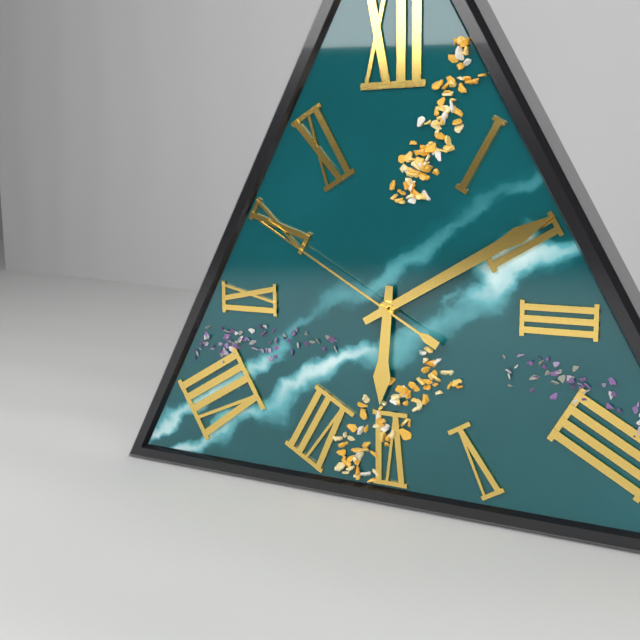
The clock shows 6:10:50
